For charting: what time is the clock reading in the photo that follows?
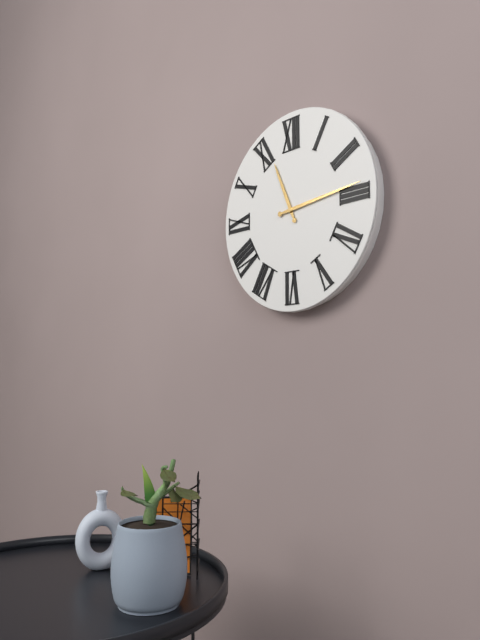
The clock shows 11:14
